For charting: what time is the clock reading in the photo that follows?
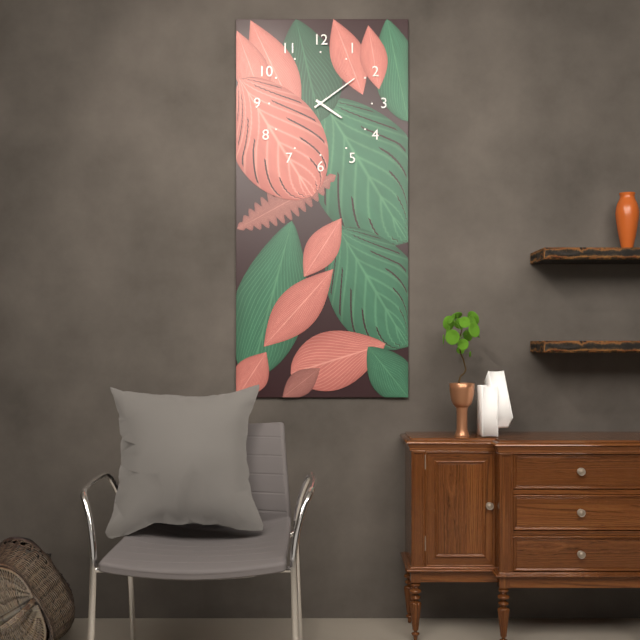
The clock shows 4:09
